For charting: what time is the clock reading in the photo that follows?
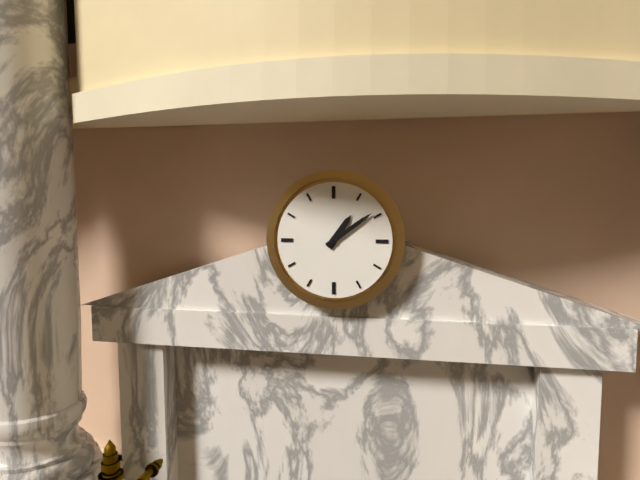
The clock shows 1:09
